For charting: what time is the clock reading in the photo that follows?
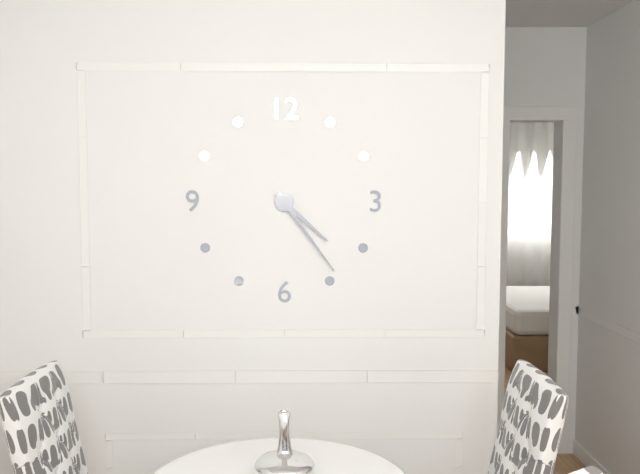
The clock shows 4:24
